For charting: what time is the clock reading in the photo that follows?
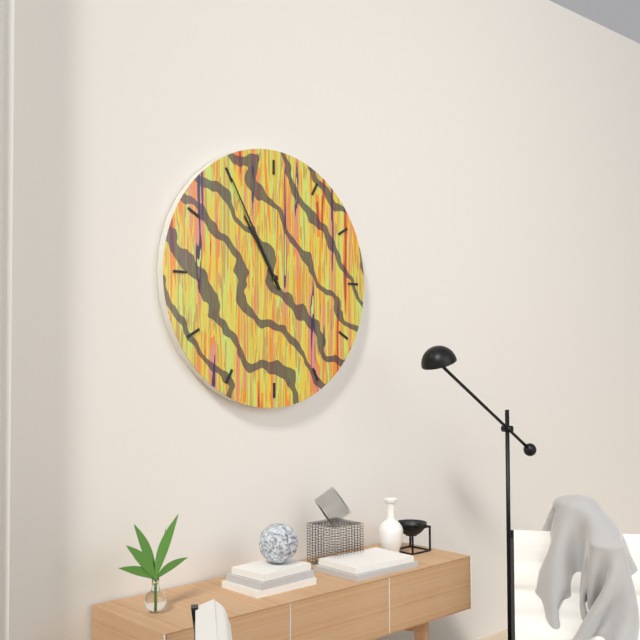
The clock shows 10:55
